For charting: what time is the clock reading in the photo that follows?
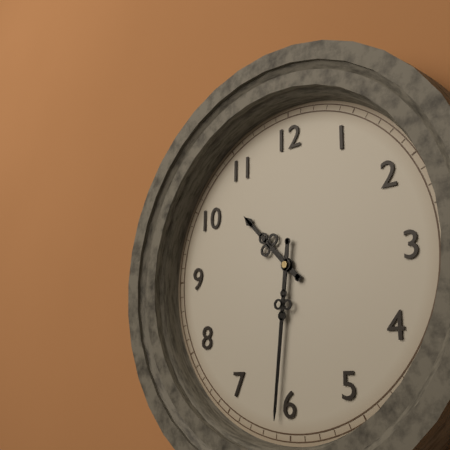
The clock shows 10:31
